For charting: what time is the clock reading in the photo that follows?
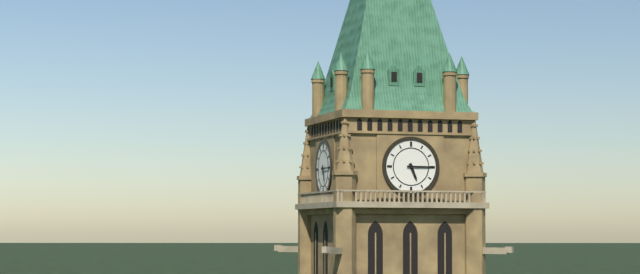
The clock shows 5:15
